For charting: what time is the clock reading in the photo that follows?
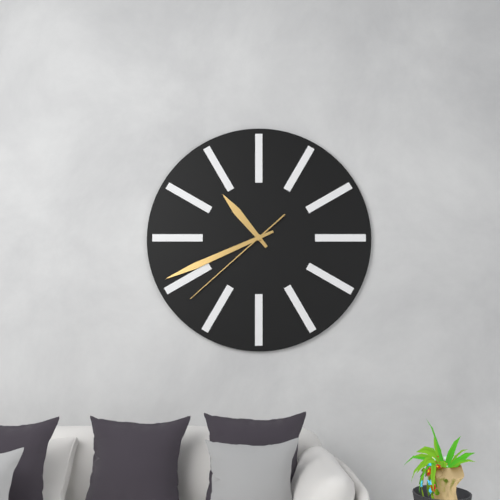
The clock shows 10:41:38
